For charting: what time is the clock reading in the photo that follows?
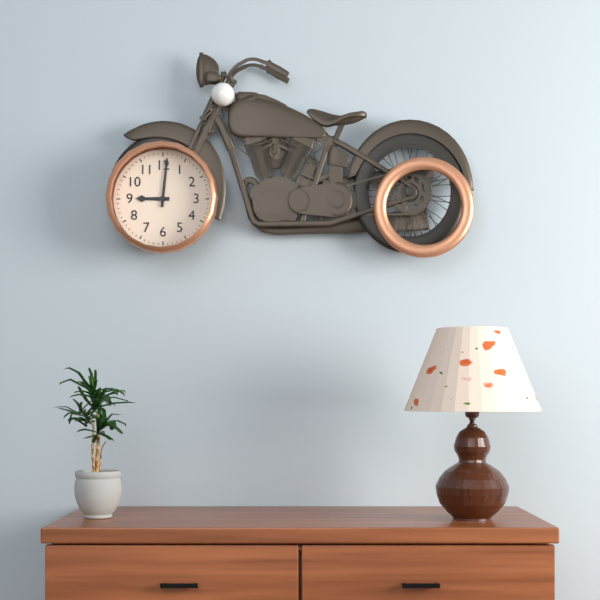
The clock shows 9:01
